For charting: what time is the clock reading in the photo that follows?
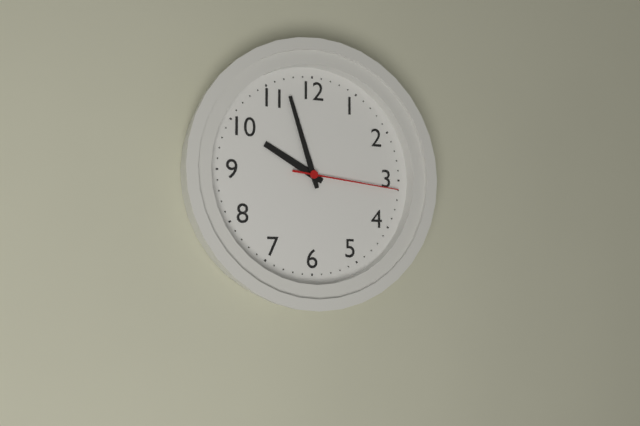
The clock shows 9:57:16
